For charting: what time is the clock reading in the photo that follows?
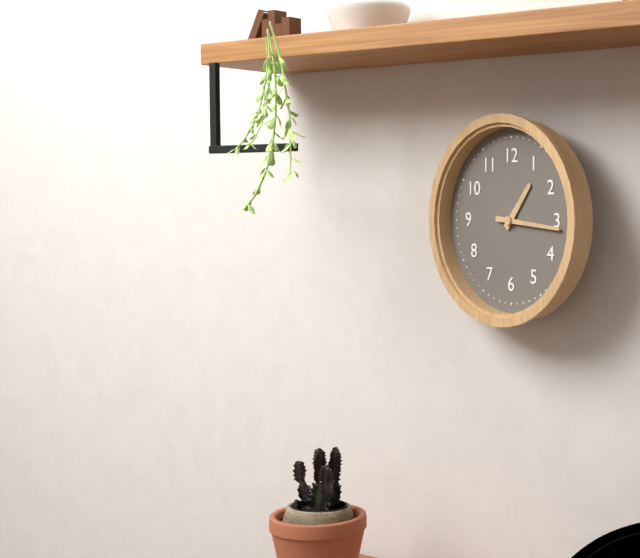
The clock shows 1:16
